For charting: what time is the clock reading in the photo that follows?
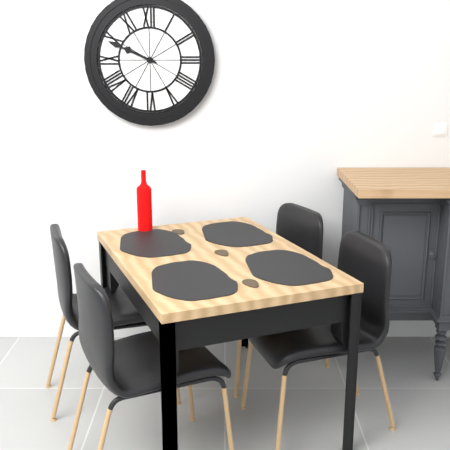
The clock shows 9:49
